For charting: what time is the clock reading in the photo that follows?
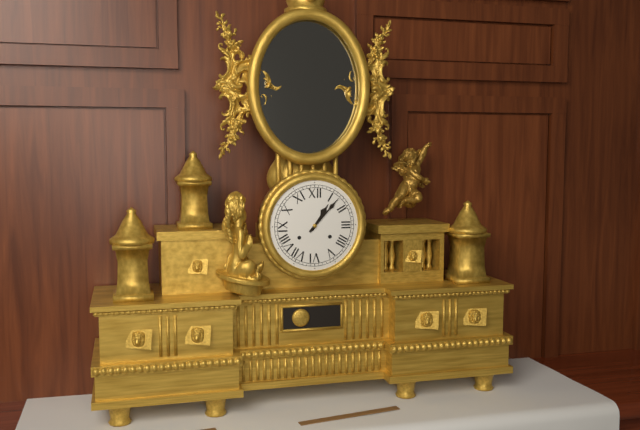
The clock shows 1:07
